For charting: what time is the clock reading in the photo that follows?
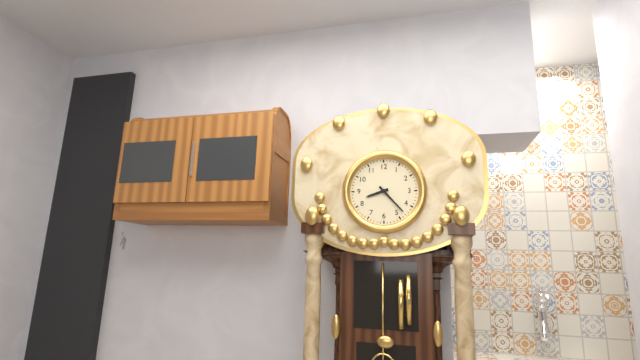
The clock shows 8:23
